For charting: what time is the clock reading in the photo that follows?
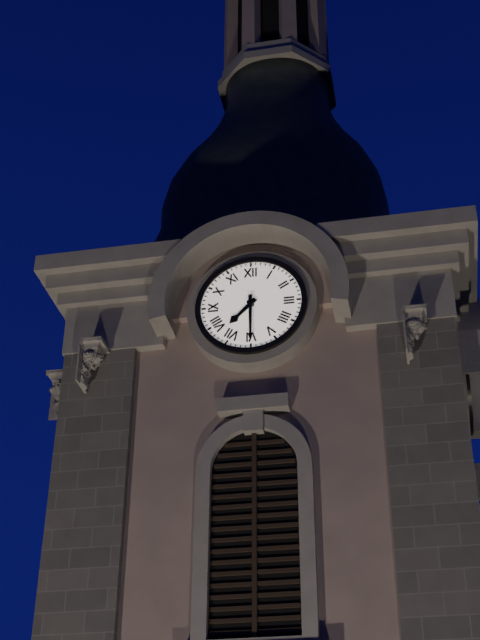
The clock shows 7:30
